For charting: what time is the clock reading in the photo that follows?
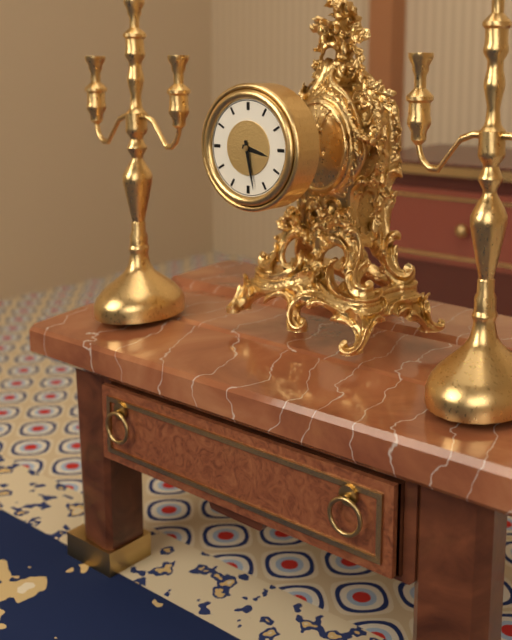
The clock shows 3:28
